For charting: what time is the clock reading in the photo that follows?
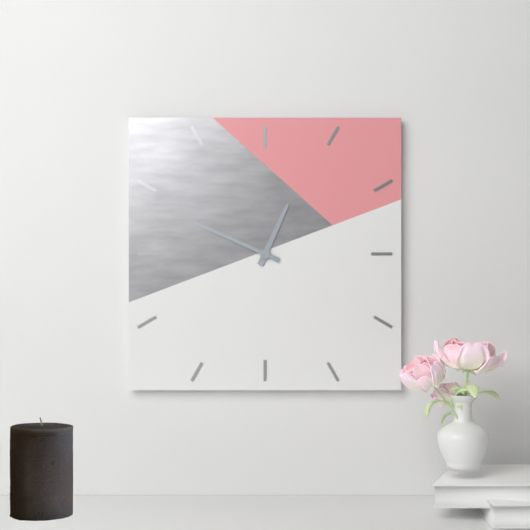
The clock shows 12:49
